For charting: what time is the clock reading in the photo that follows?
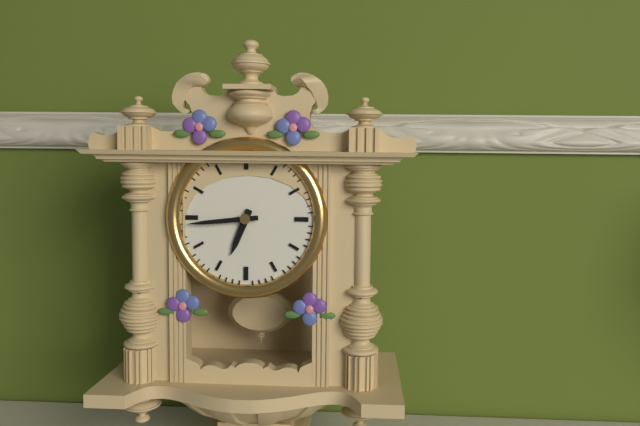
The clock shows 6:44
